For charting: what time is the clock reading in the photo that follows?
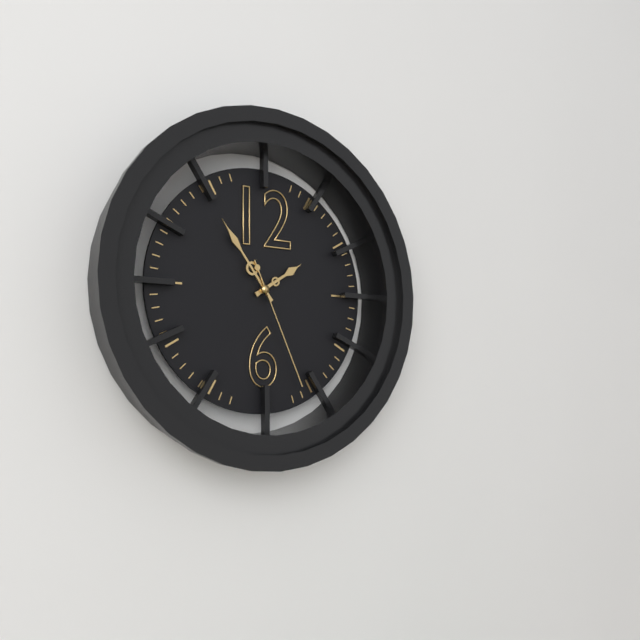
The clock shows 1:54:26
